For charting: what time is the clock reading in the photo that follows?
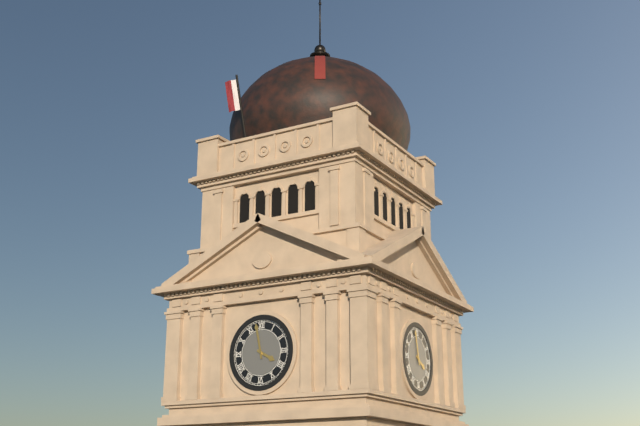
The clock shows 3:58
